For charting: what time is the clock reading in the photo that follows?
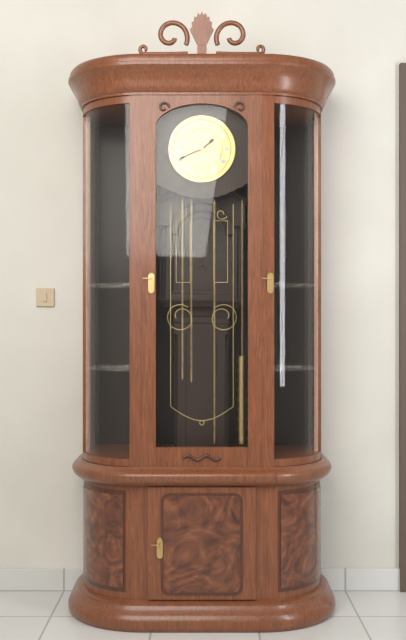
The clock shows 1:41
